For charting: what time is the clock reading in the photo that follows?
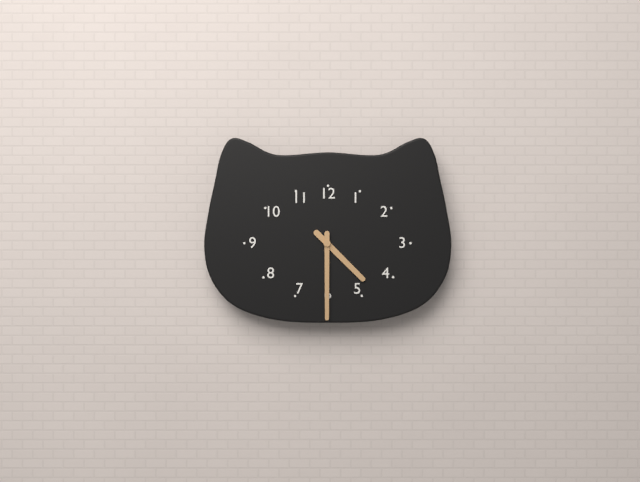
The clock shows 4:30
